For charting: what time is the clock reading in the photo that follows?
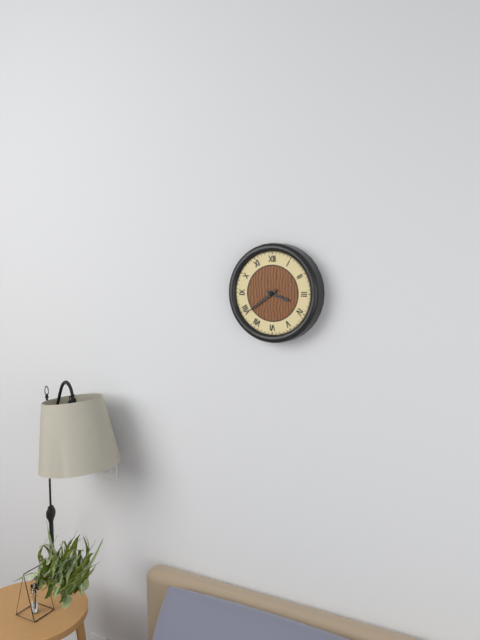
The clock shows 3:39
